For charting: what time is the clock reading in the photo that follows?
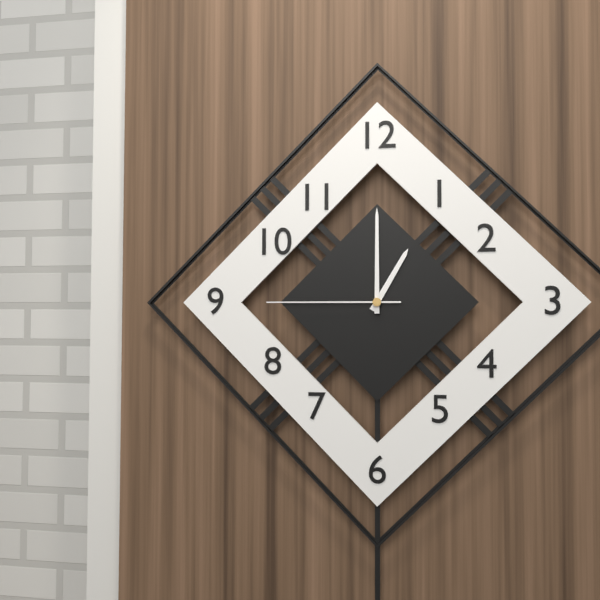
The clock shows 1:00:45
